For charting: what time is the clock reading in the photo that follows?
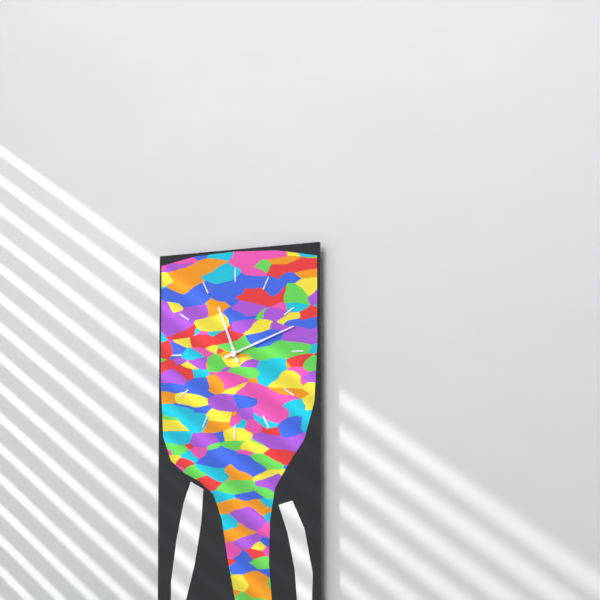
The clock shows 11:12
